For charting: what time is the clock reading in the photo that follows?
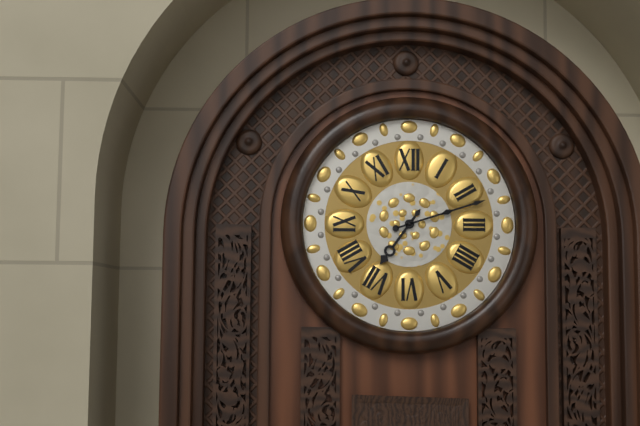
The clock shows 7:12
